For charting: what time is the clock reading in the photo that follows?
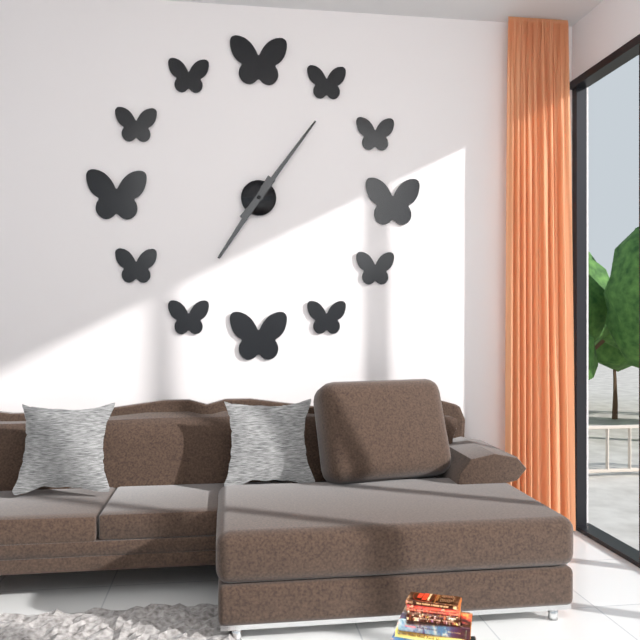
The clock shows 7:06
